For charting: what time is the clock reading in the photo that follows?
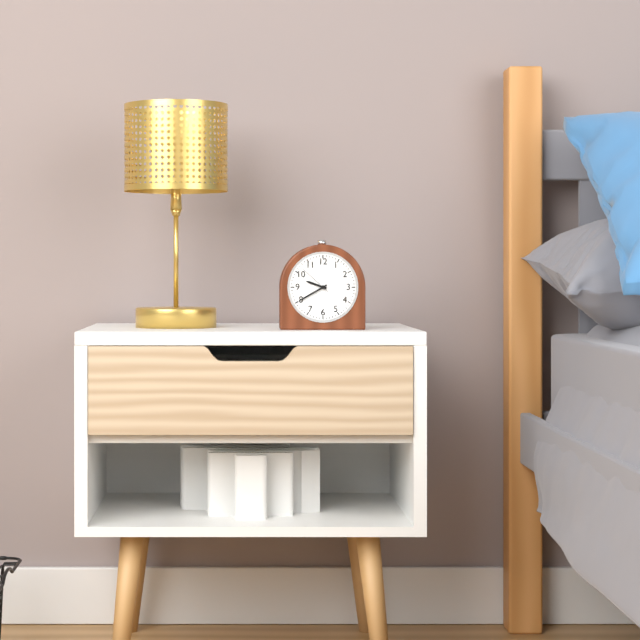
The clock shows 9:40
